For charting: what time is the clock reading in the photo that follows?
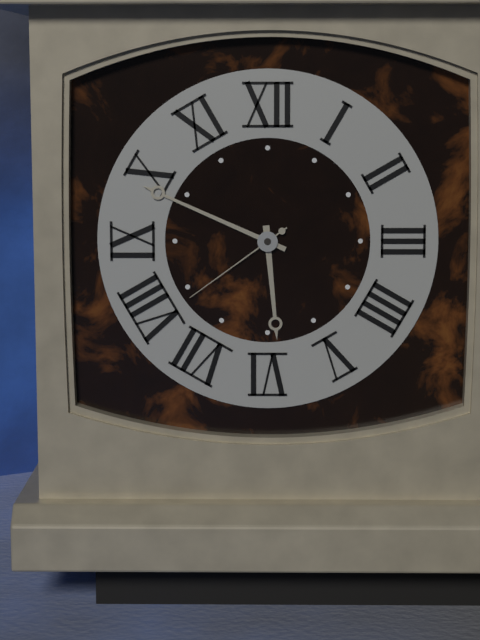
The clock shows 5:49:39
